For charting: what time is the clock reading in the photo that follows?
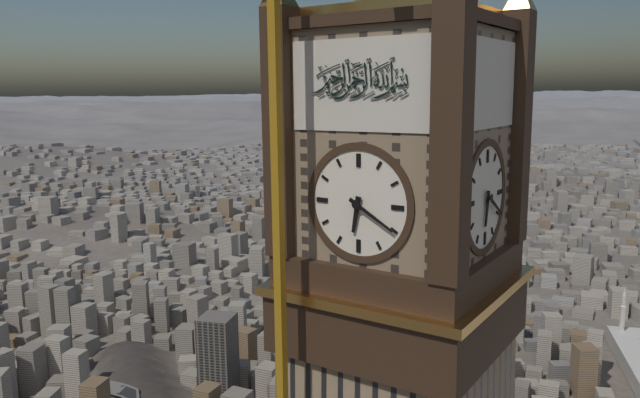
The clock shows 6:20
